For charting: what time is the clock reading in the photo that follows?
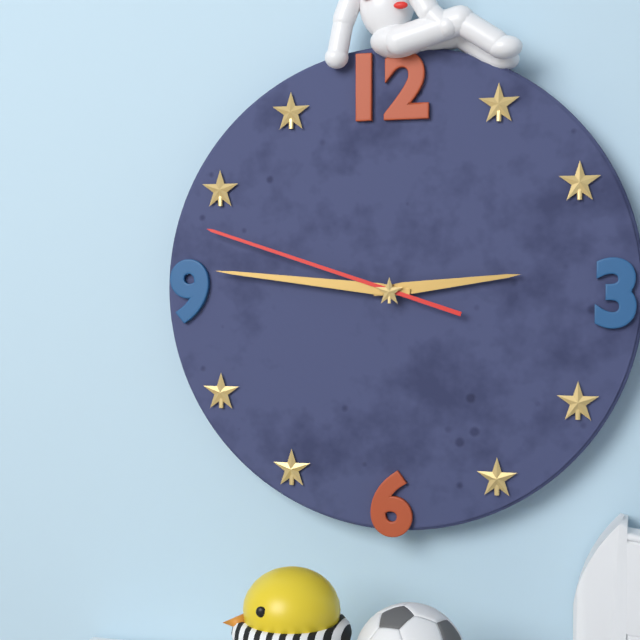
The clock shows 2:46:48
